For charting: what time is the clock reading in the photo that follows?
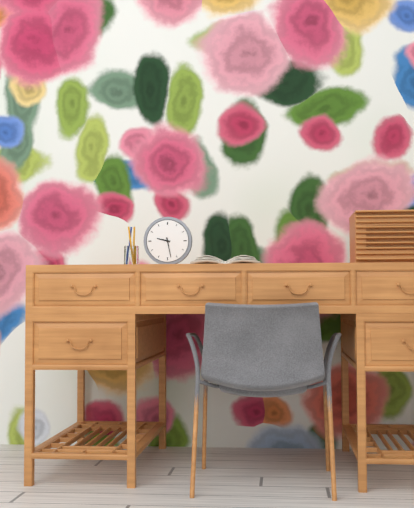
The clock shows 9:28
